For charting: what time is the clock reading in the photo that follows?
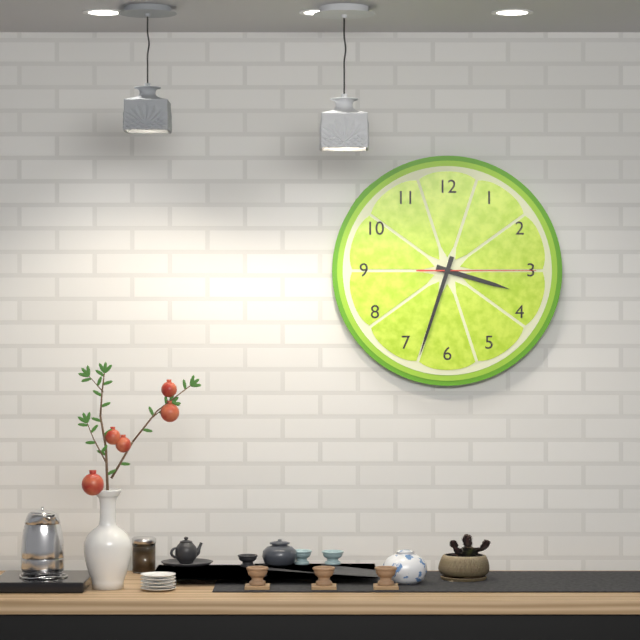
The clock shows 3:33:15
